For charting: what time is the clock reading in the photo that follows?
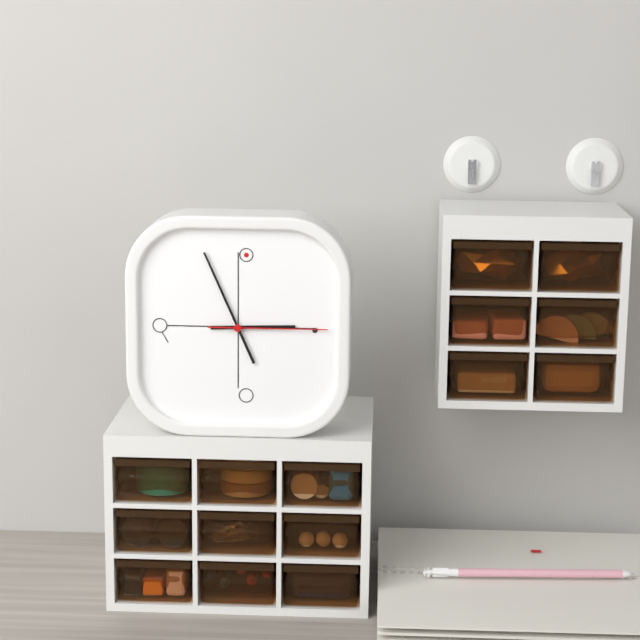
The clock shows 2:56:15
